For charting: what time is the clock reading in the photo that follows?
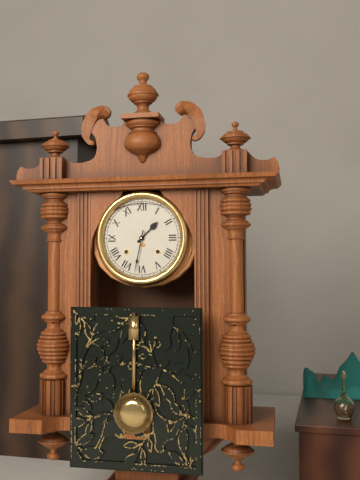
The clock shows 1:32
